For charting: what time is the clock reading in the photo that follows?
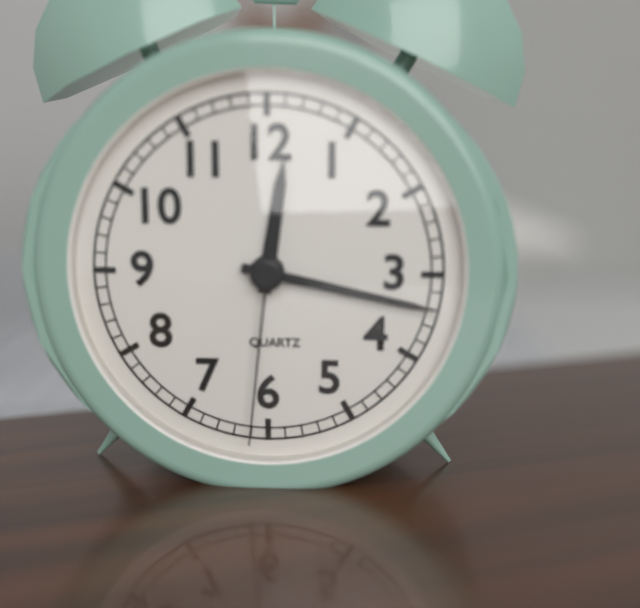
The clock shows 12:17:31
